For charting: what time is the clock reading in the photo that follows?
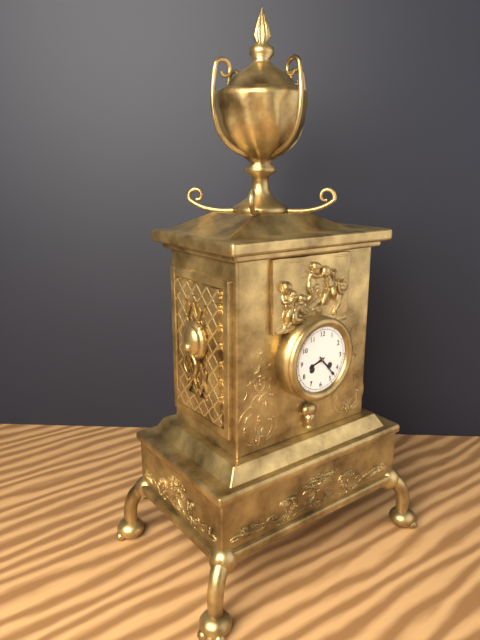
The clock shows 8:23
